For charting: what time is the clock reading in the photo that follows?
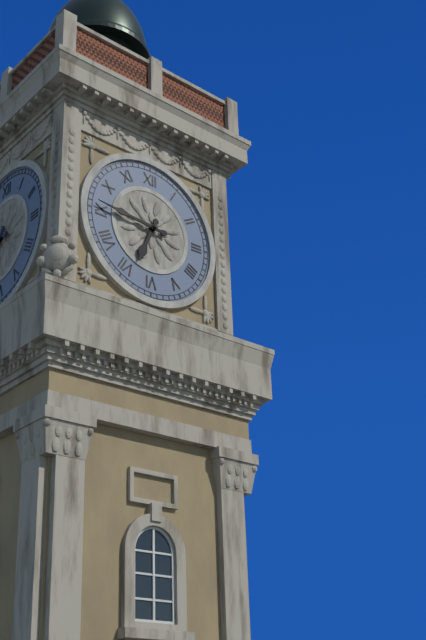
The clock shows 6:46
